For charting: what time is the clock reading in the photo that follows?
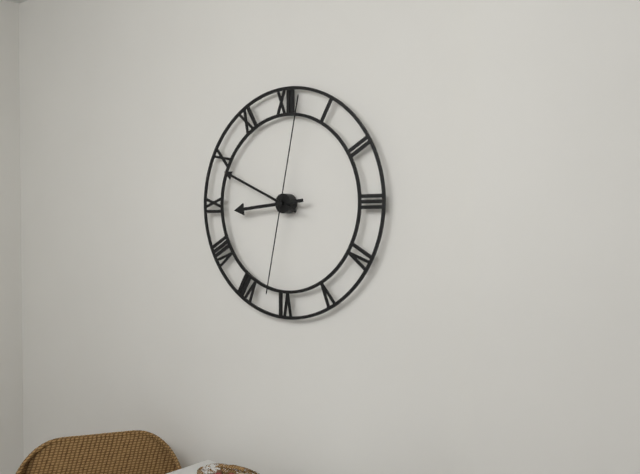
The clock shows 8:49:02
